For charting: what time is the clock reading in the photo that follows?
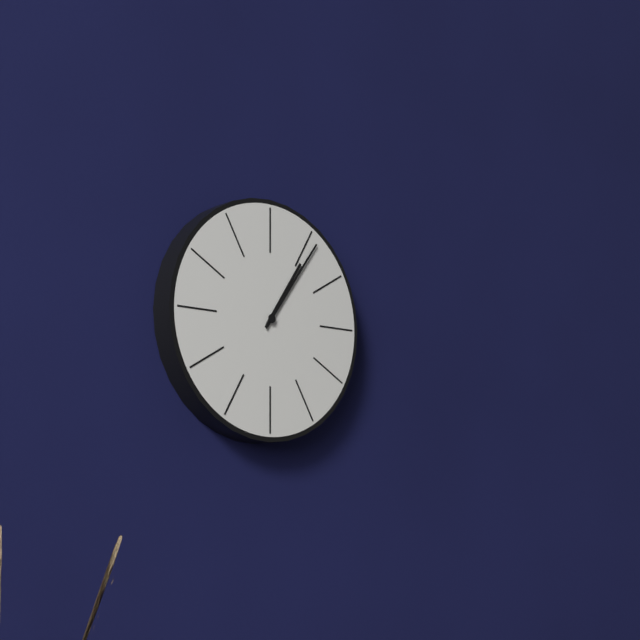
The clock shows 1:06
